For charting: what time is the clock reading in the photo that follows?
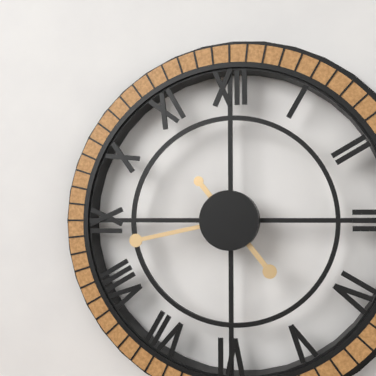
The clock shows 4:43
